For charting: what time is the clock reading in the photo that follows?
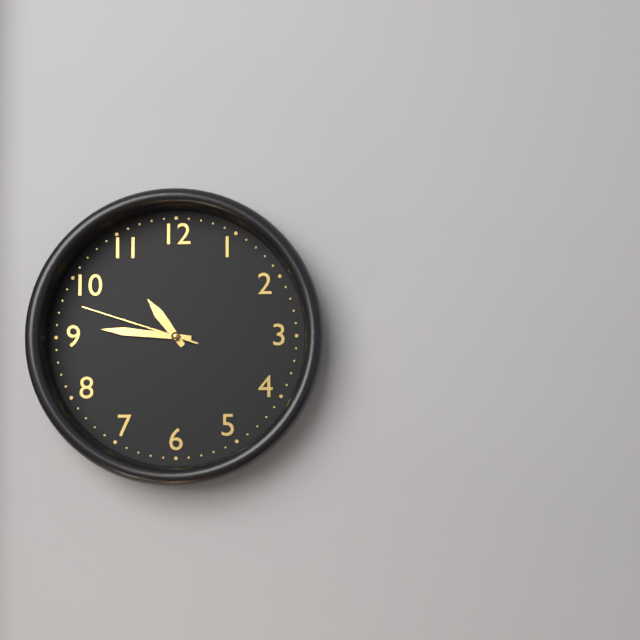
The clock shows 10:46:48
